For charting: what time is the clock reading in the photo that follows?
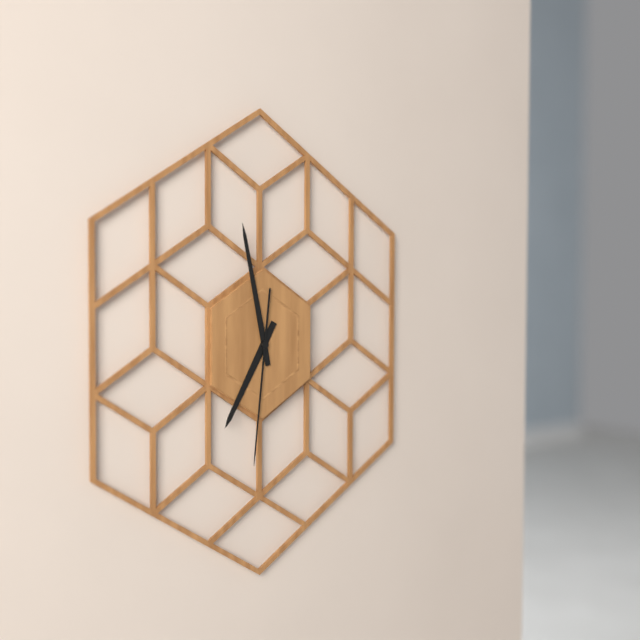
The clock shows 6:58:31
